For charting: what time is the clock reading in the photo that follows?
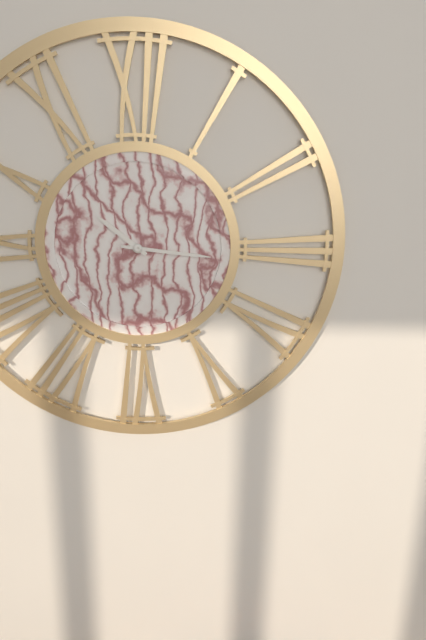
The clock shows 10:16
